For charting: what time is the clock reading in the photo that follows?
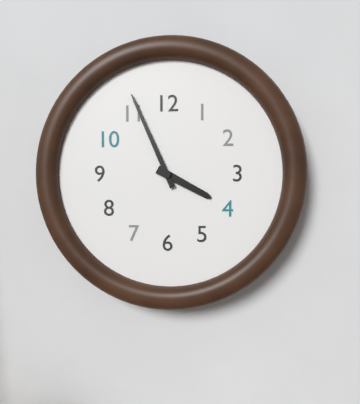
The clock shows 3:56
